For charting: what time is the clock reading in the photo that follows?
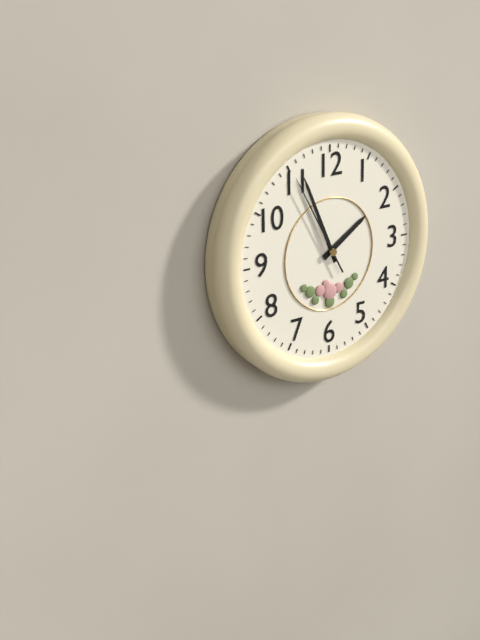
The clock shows 1:56:55
